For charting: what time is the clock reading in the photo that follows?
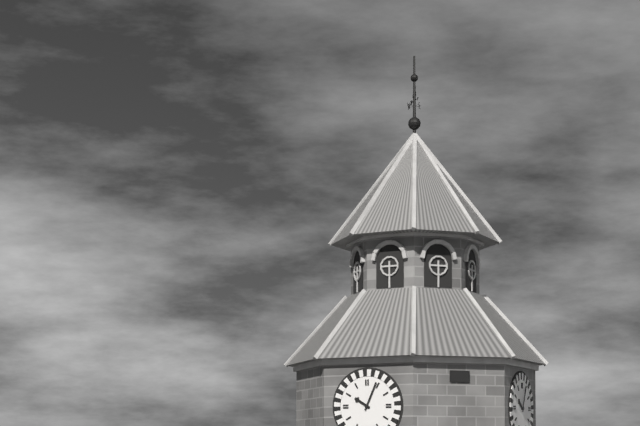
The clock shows 10:04
